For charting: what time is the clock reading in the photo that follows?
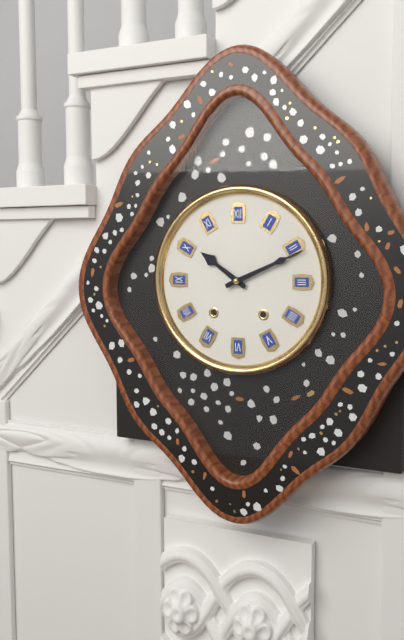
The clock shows 10:11
